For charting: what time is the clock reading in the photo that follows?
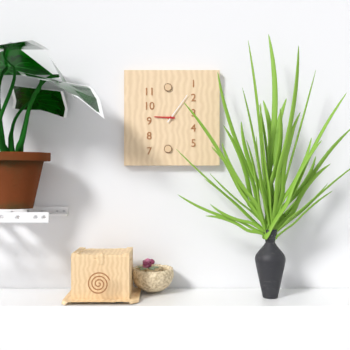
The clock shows 9:06
